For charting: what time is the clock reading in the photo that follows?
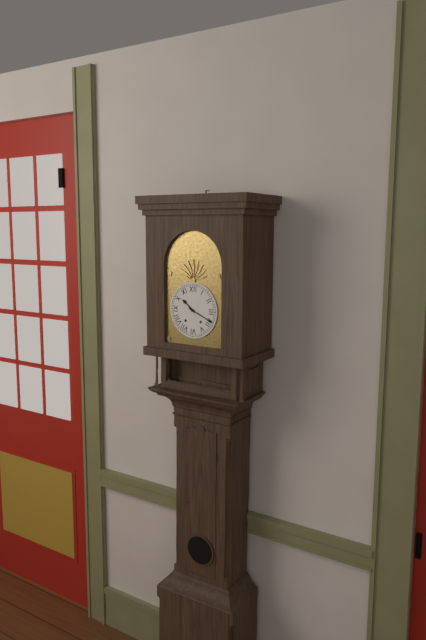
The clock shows 10:19
